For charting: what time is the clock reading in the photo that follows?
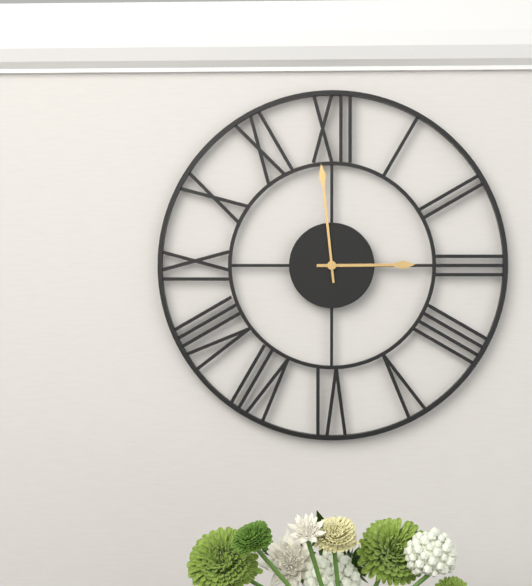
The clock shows 2:59
